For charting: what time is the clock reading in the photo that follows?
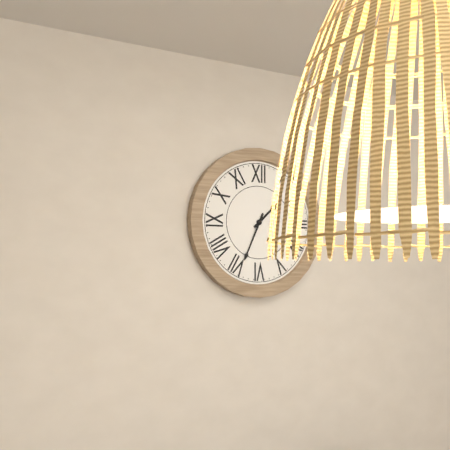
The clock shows 1:34
